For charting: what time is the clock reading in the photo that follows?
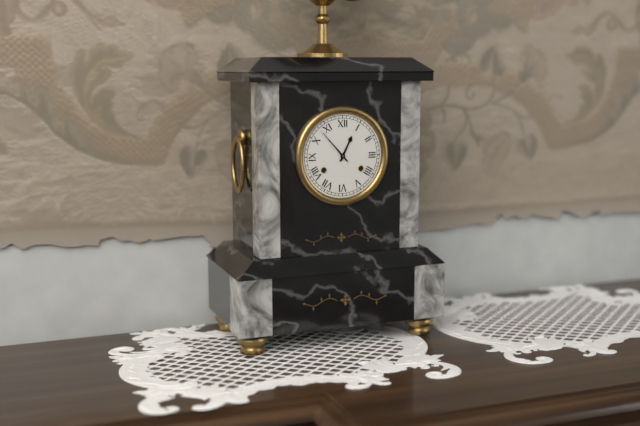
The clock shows 12:53
